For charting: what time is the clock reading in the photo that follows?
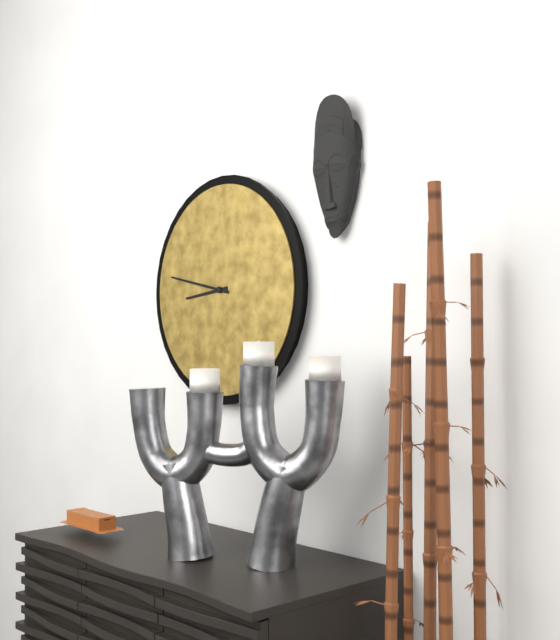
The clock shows 8:47
